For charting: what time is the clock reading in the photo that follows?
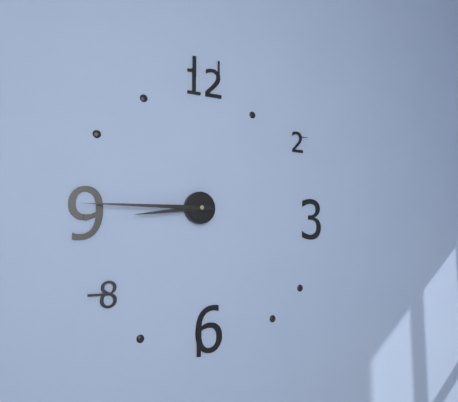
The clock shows 8:45
